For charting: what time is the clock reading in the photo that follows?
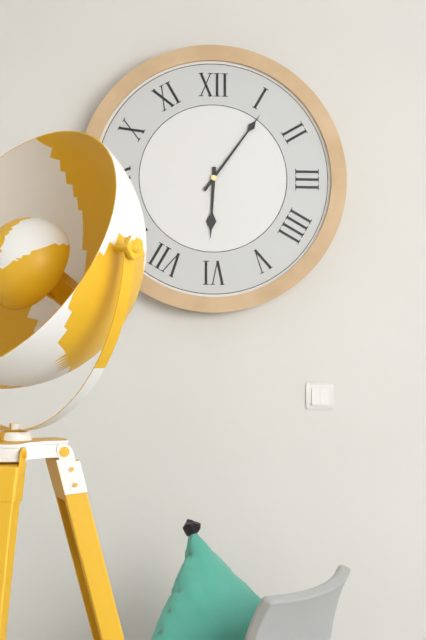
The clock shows 6:06
